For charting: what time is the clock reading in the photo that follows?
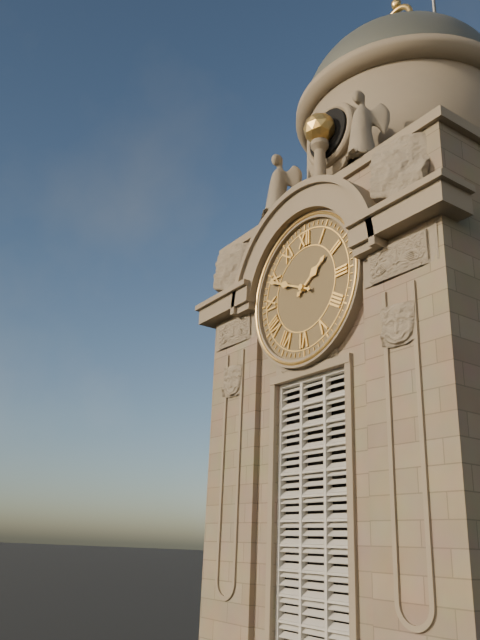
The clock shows 1:49
